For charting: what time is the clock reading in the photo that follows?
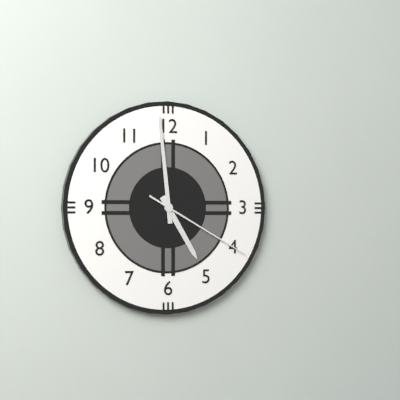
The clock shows 4:59:20
